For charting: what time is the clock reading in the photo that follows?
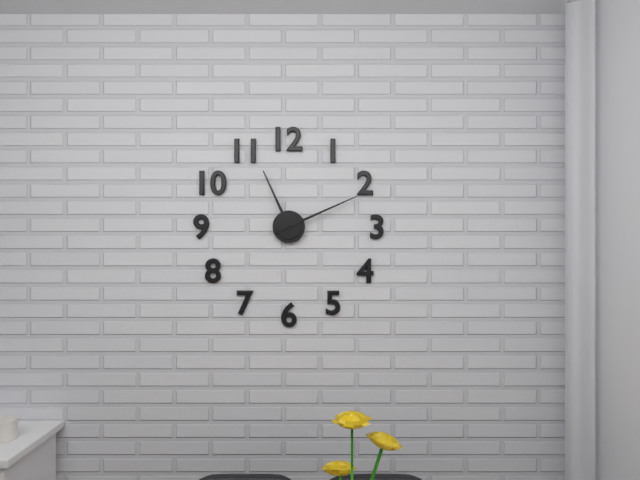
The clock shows 11:11
